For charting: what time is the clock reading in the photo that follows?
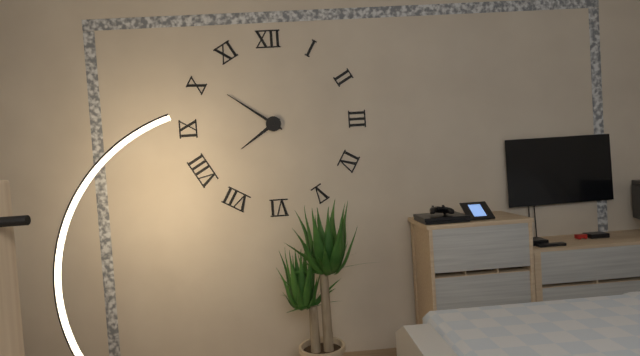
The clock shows 7:51
